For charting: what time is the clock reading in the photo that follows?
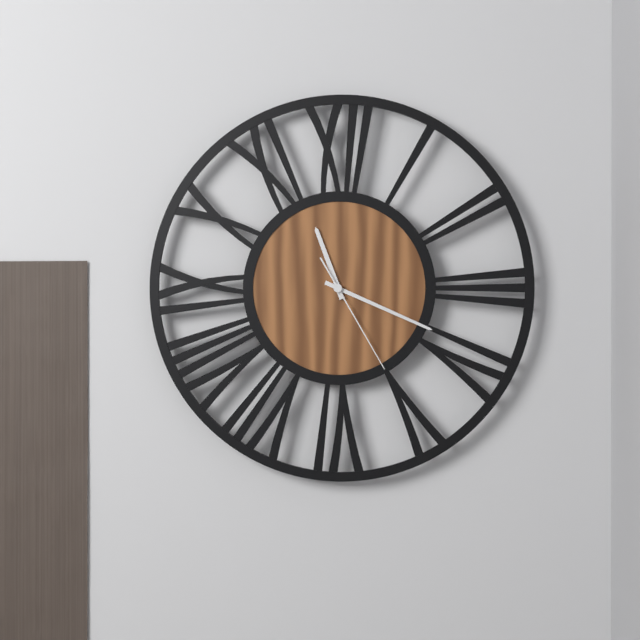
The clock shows 11:19:25
